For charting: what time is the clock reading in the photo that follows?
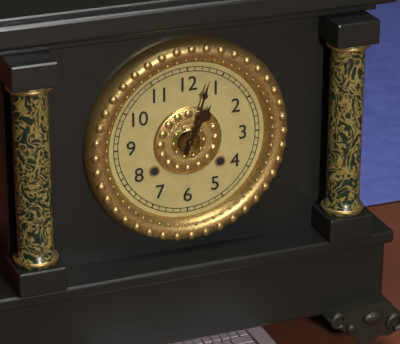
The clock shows 1:03
